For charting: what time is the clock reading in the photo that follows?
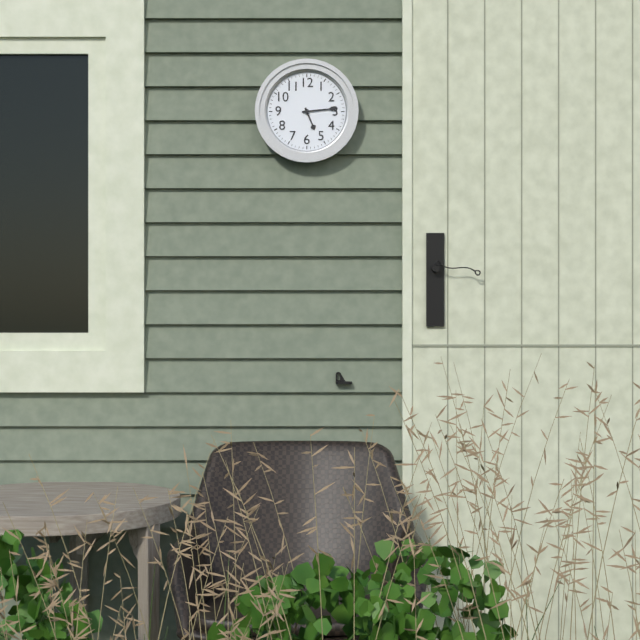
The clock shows 5:14
